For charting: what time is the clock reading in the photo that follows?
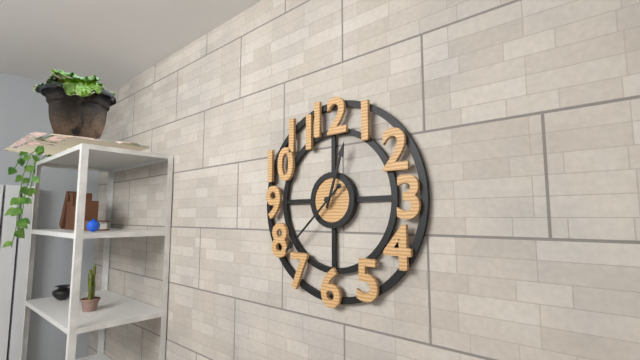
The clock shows 12:38
